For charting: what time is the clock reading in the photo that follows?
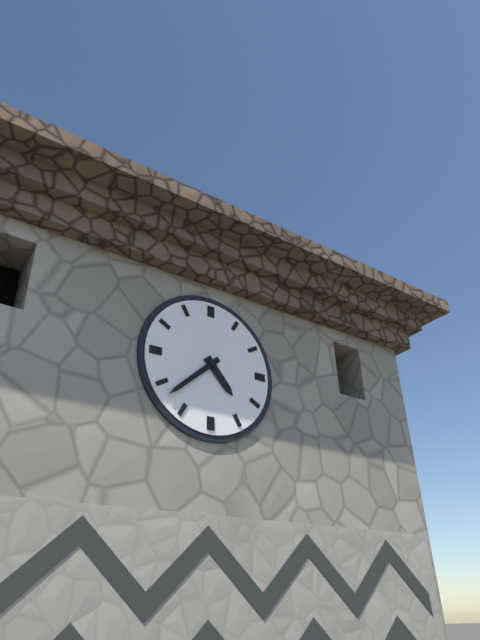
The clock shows 4:38
